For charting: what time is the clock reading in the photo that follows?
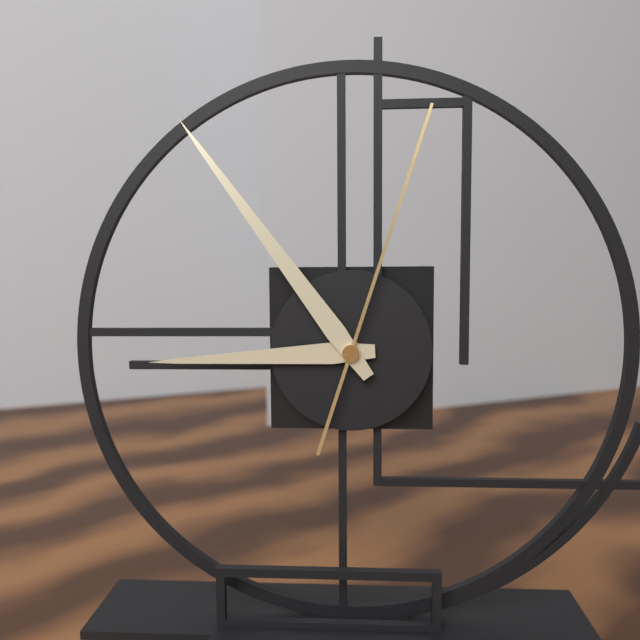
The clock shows 8:54:03
